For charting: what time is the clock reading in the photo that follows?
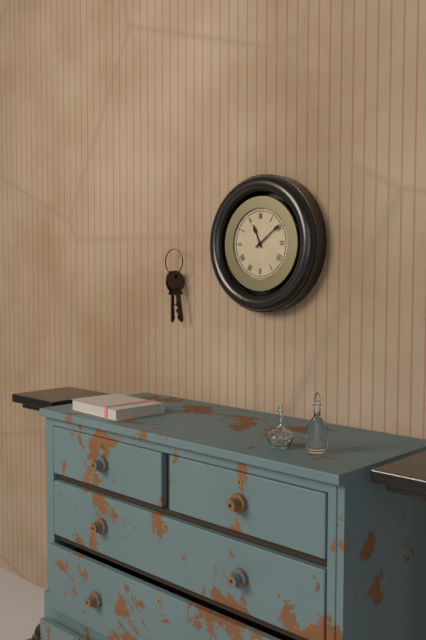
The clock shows 11:09
